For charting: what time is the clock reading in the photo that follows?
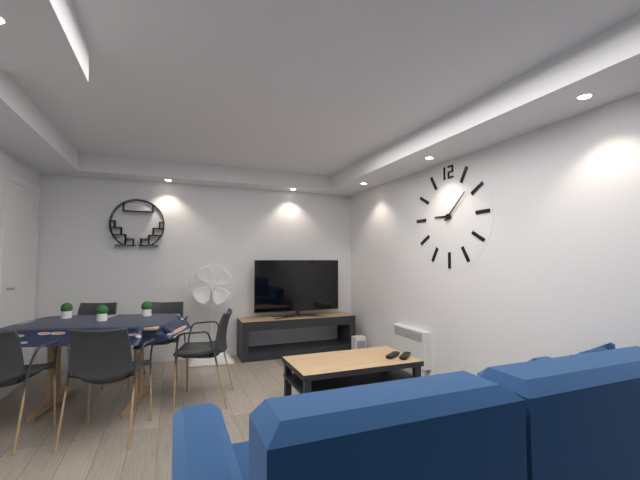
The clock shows 9:08
